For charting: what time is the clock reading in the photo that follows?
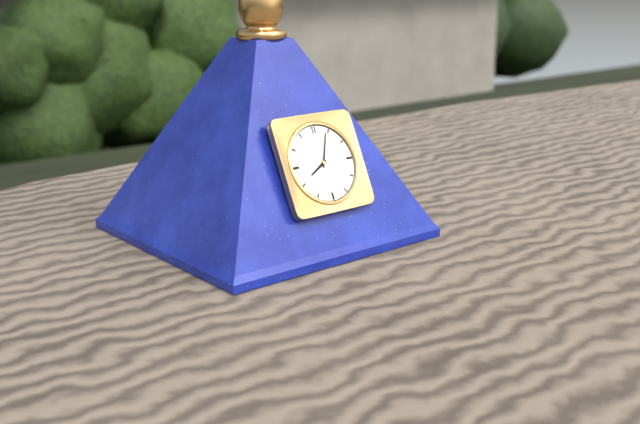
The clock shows 8:04
